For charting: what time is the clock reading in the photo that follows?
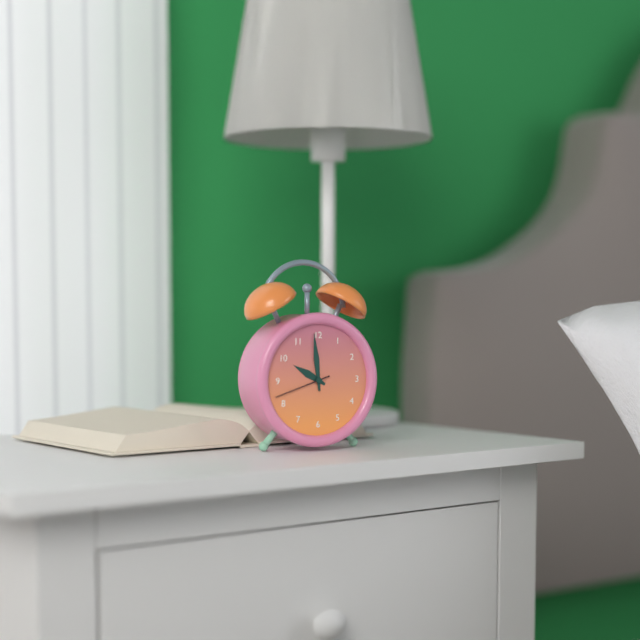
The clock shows 9:59
